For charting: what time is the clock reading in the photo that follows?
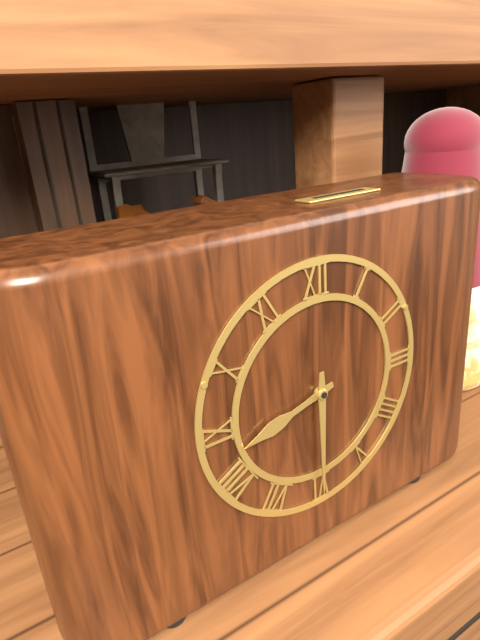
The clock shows 8:30
